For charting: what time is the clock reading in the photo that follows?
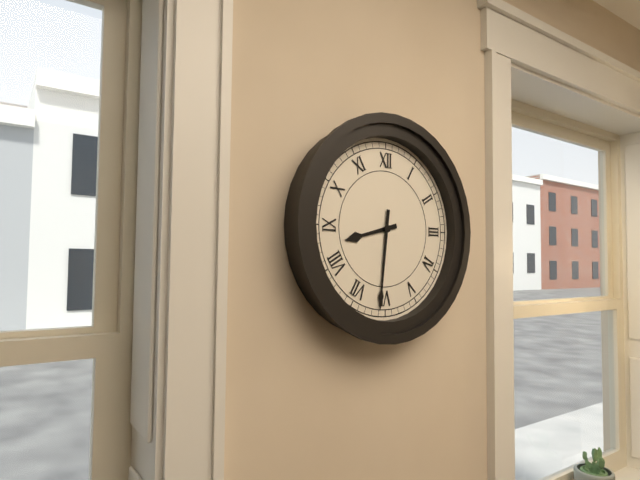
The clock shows 8:31
